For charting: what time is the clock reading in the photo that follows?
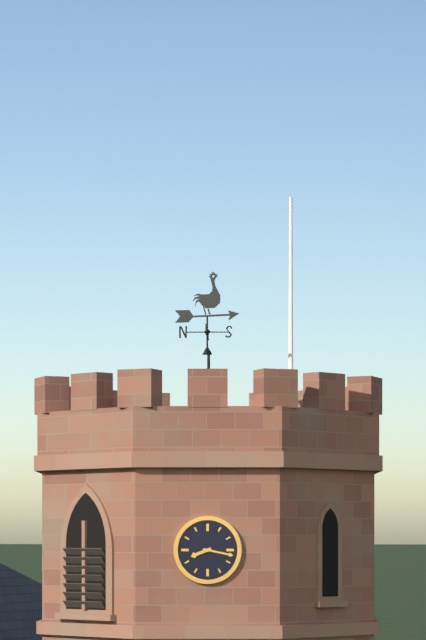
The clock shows 8:17
